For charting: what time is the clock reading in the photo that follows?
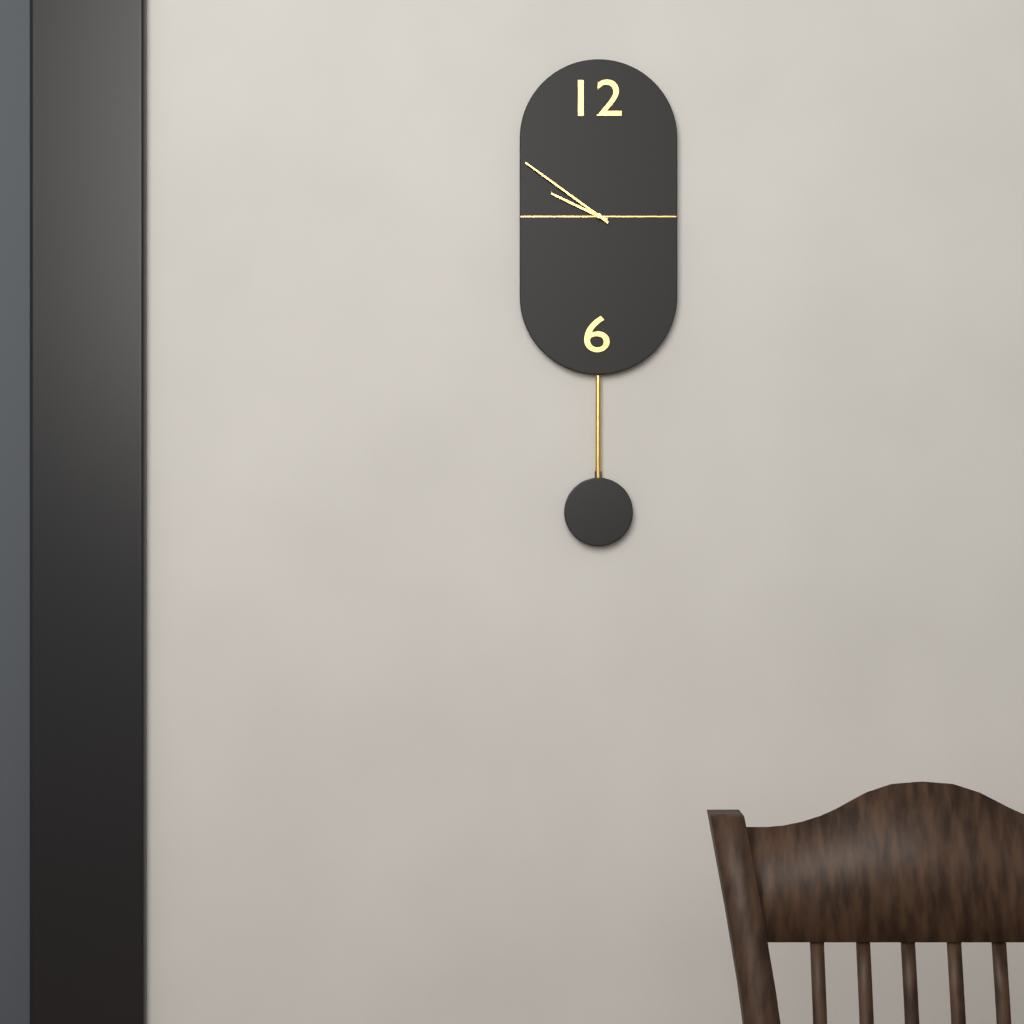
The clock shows 9:51
